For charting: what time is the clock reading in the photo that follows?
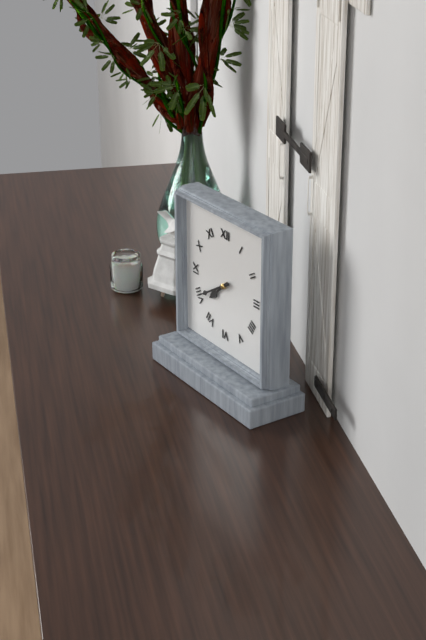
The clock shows 7:40
